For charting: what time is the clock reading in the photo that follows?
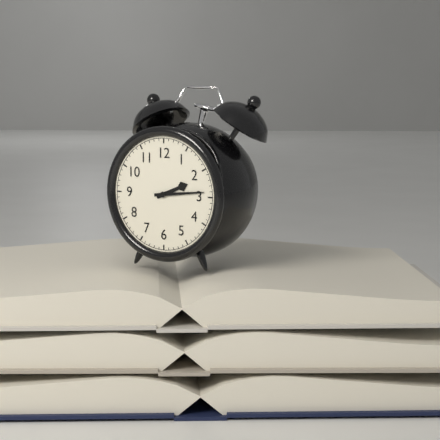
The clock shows 2:14
